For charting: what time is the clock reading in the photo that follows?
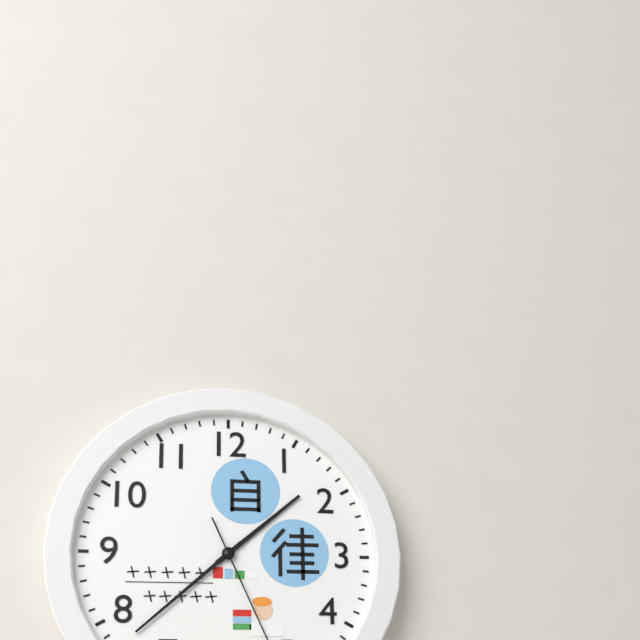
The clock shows 1:38
